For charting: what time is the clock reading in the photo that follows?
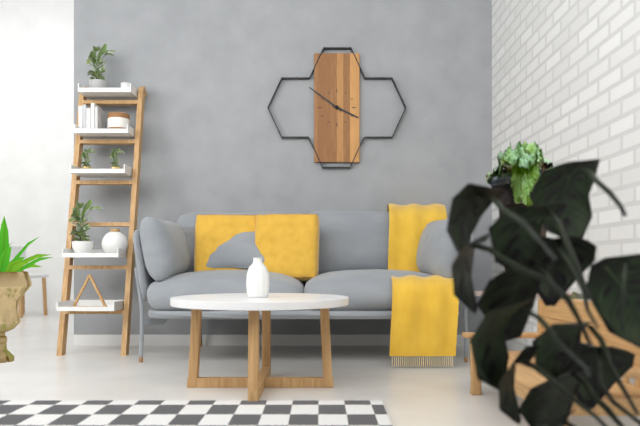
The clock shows 3:51
